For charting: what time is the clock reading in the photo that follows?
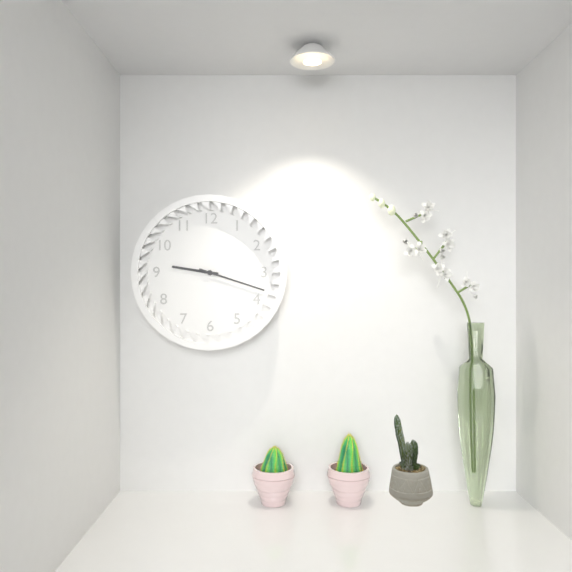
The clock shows 9:18
